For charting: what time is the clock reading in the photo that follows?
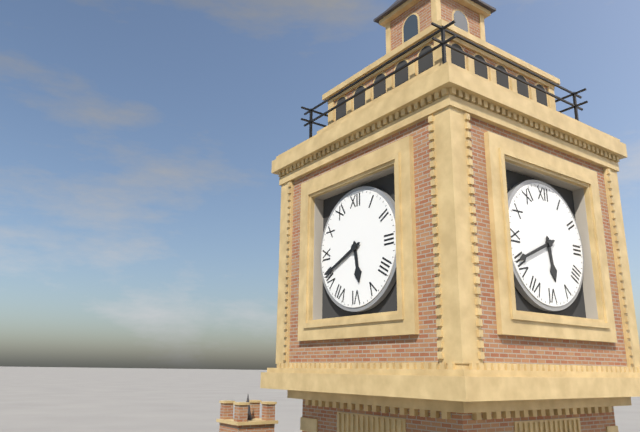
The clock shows 5:41
